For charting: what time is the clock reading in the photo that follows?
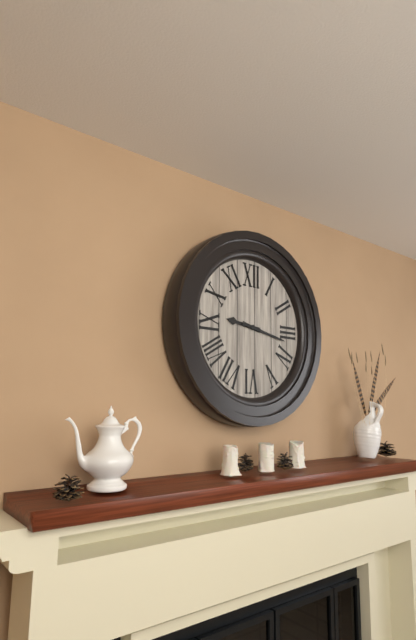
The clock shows 9:17
